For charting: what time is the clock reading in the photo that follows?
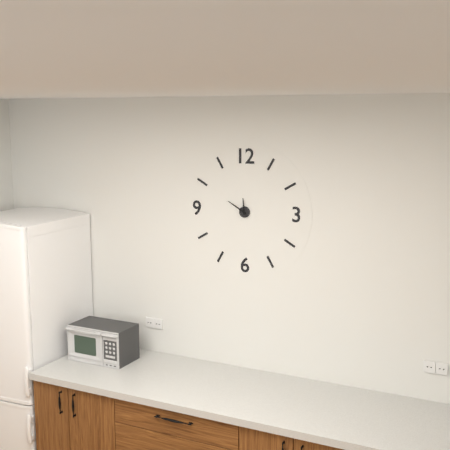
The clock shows 11:50
